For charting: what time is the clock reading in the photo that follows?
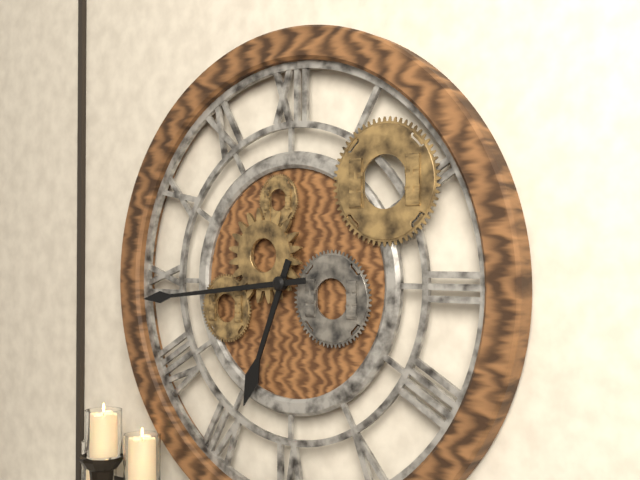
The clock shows 6:44
